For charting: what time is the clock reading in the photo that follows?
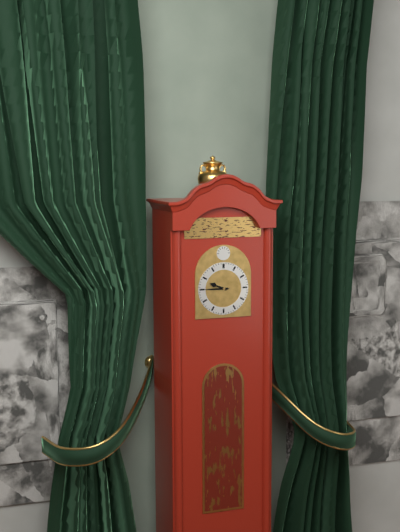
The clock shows 9:45
